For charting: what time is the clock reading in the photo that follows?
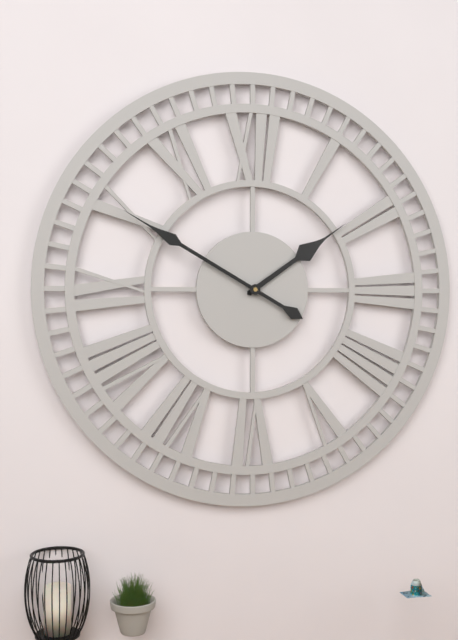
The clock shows 1:50
